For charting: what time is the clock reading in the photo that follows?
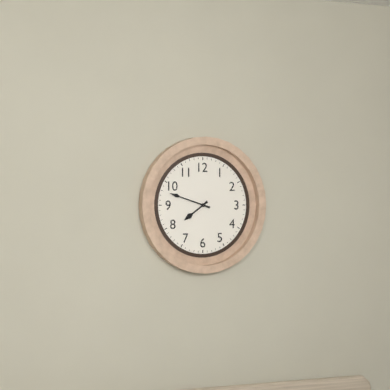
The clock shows 7:48
